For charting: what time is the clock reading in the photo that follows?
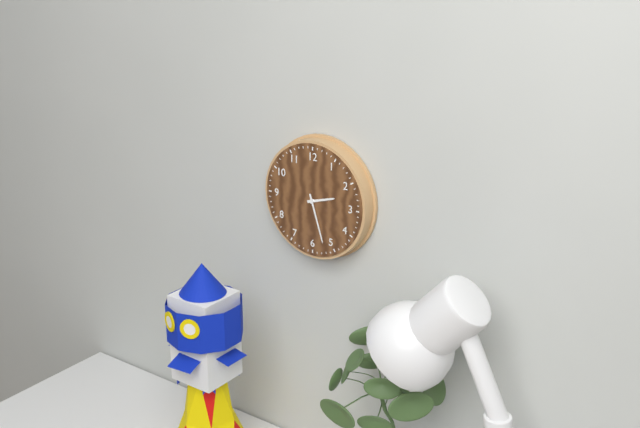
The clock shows 2:27
